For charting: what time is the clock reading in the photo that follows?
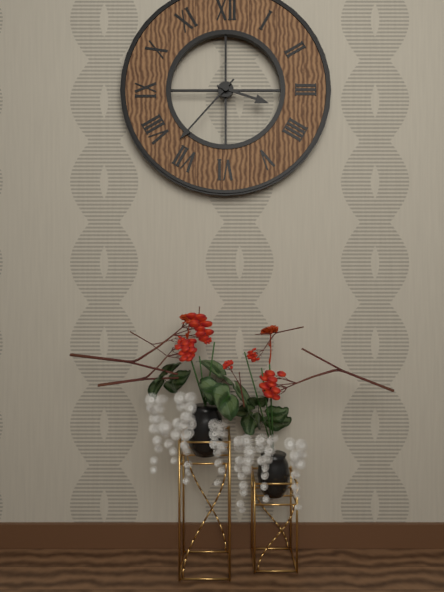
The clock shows 3:37
